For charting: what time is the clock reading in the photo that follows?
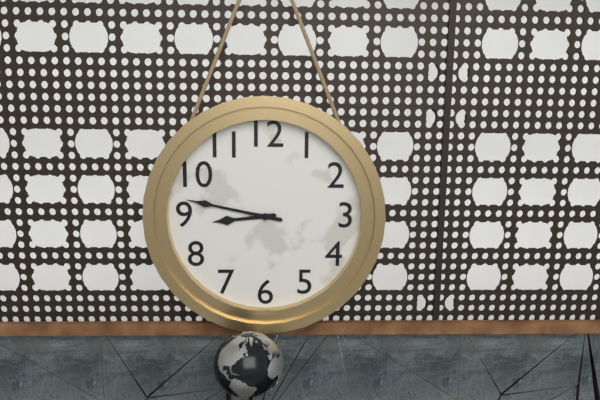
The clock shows 8:47
